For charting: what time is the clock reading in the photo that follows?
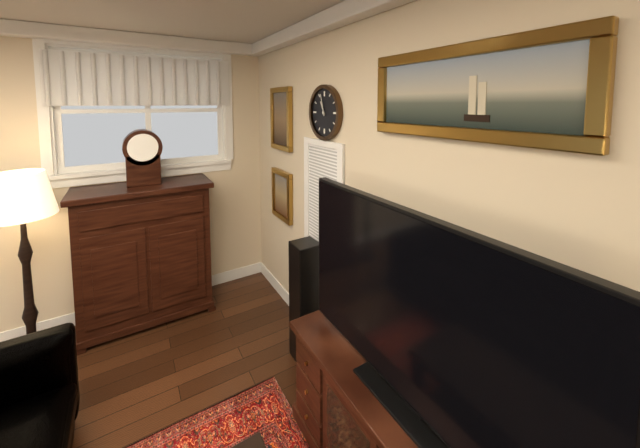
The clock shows 10:57
